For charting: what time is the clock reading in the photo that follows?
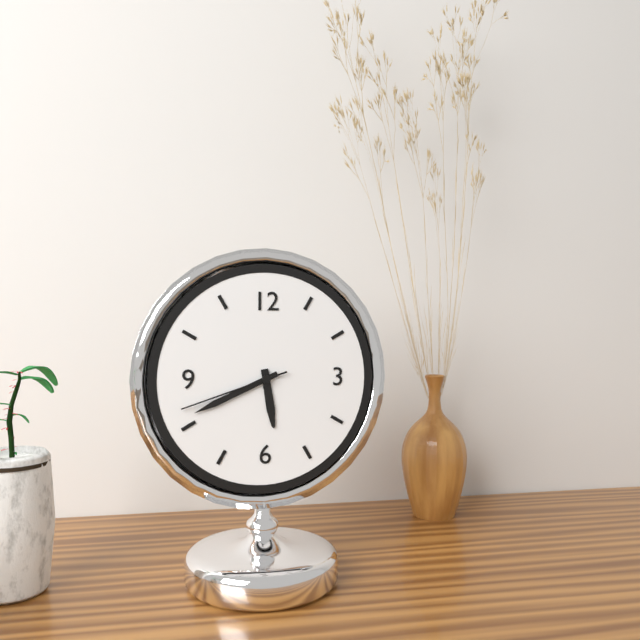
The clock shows 5:41:42
